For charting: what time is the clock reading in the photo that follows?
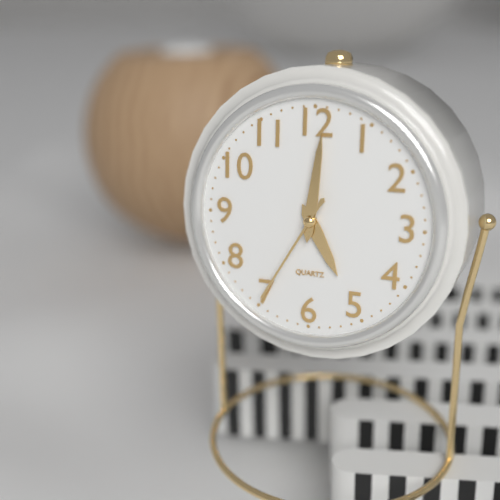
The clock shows 5:01:35
